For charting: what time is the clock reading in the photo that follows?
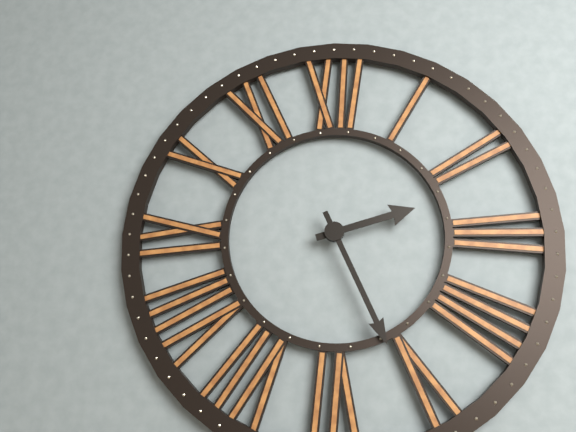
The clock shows 2:26
